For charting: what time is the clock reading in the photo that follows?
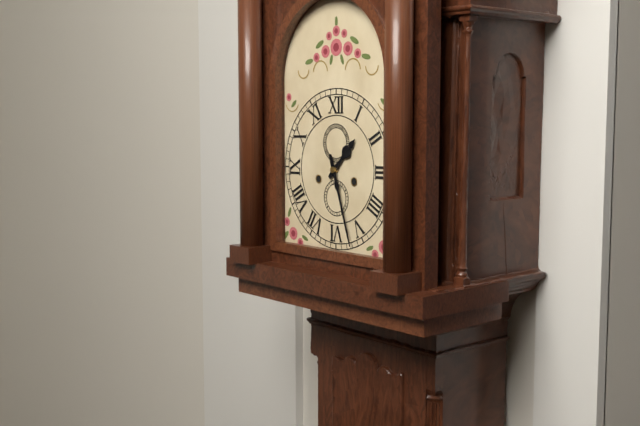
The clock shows 1:27
